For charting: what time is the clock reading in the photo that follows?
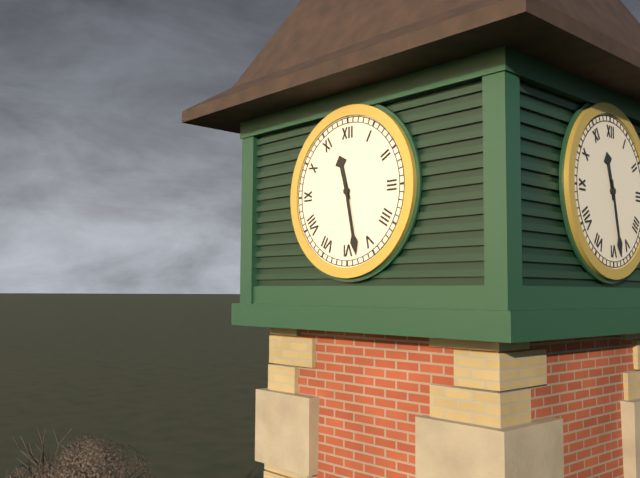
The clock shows 11:28
